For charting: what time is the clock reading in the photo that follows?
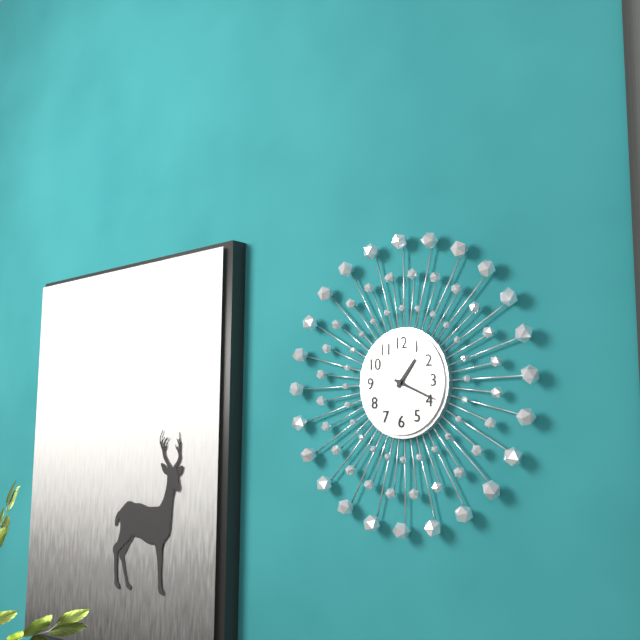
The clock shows 1:19
